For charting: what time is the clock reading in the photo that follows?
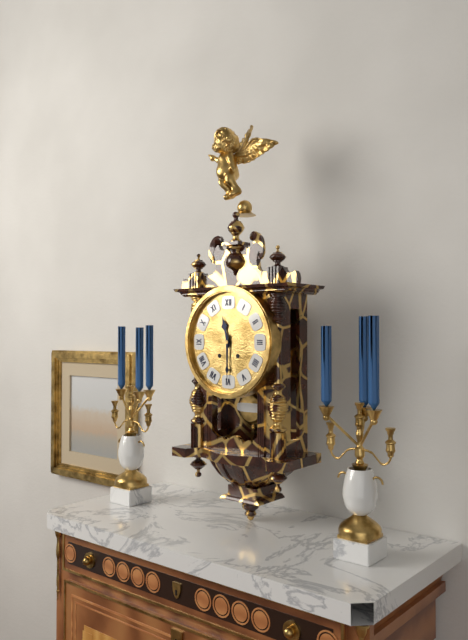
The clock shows 11:30
